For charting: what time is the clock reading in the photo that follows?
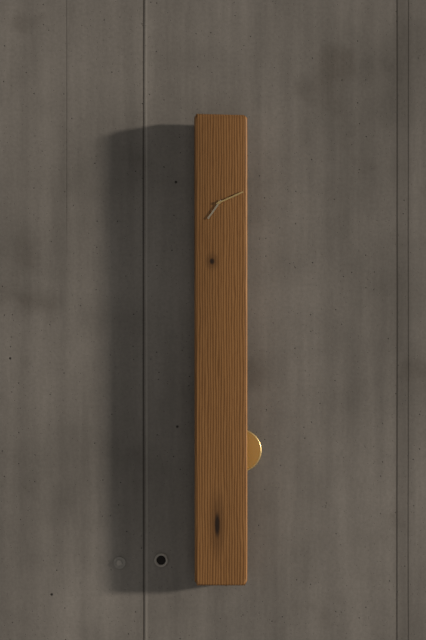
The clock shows 7:11
